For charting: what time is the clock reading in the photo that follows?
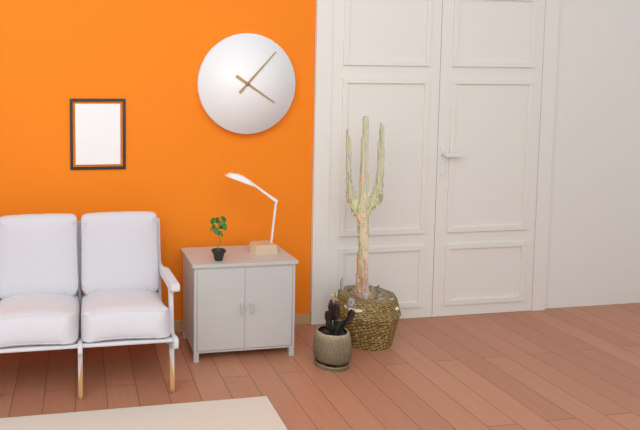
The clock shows 4:07
